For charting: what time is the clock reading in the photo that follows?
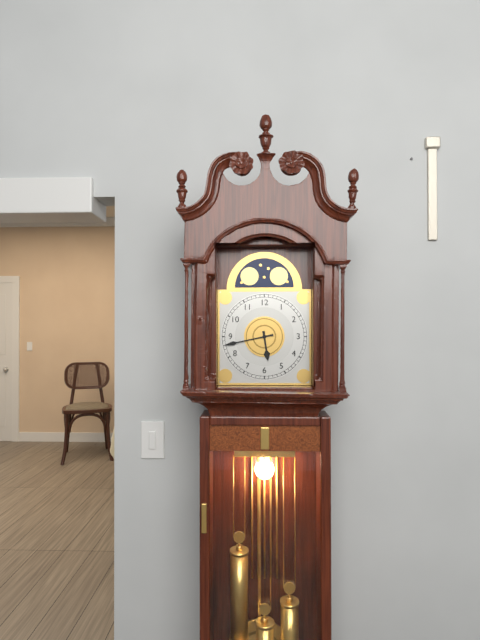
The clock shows 5:43
